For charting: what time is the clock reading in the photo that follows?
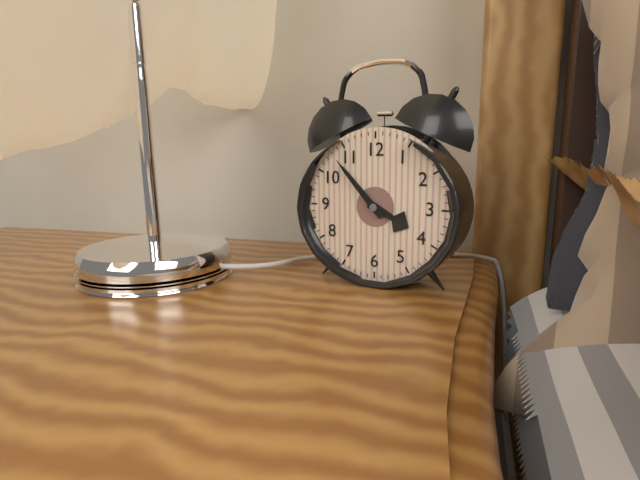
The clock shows 3:53
